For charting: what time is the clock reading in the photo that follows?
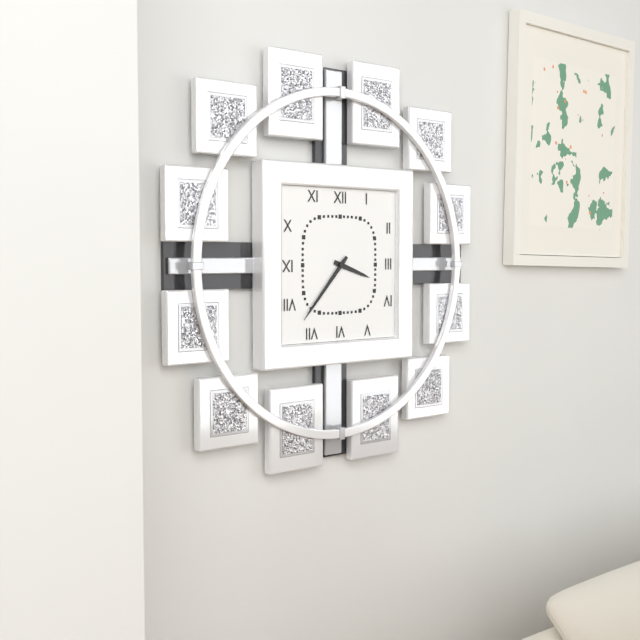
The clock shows 3:37
